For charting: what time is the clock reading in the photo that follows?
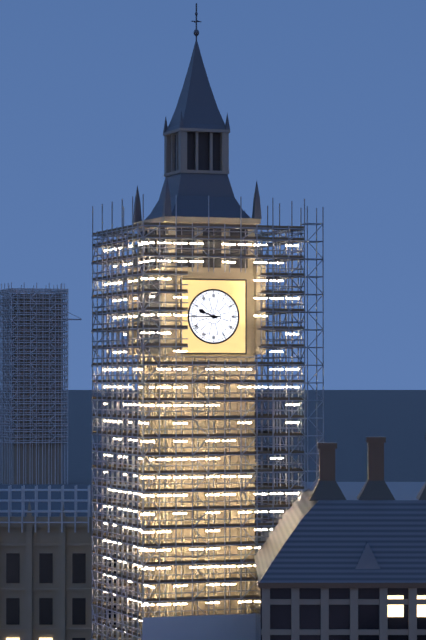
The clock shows 9:45
